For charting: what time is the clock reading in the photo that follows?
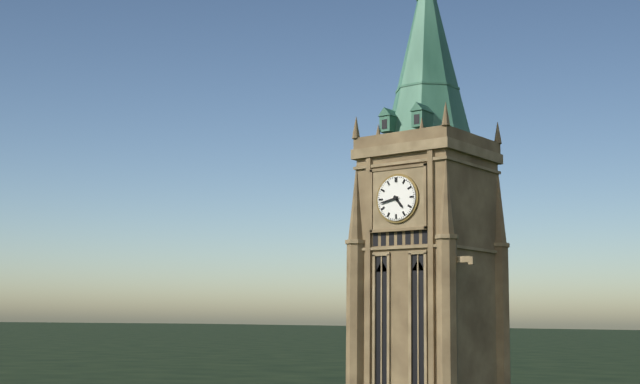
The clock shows 4:43
